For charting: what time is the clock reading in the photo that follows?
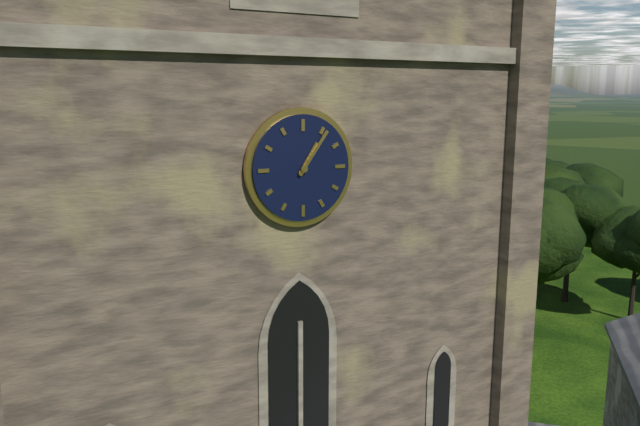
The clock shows 1:06
